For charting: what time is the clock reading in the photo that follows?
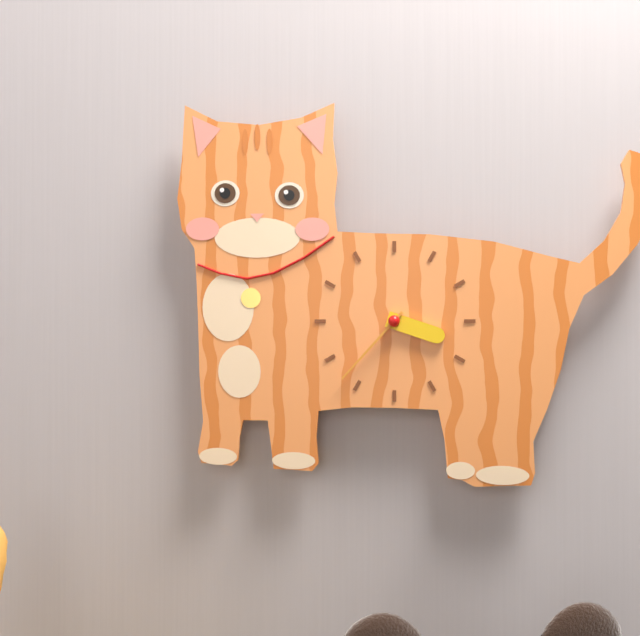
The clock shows 3:37
